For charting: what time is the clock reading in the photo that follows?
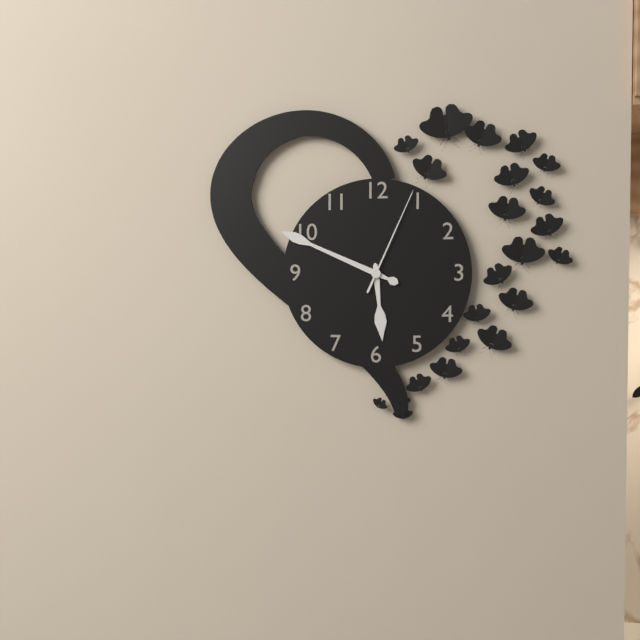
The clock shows 5:49:04
